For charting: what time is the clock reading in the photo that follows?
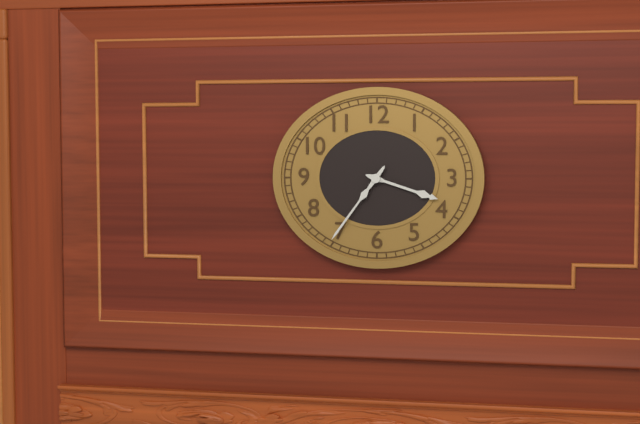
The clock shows 3:36
